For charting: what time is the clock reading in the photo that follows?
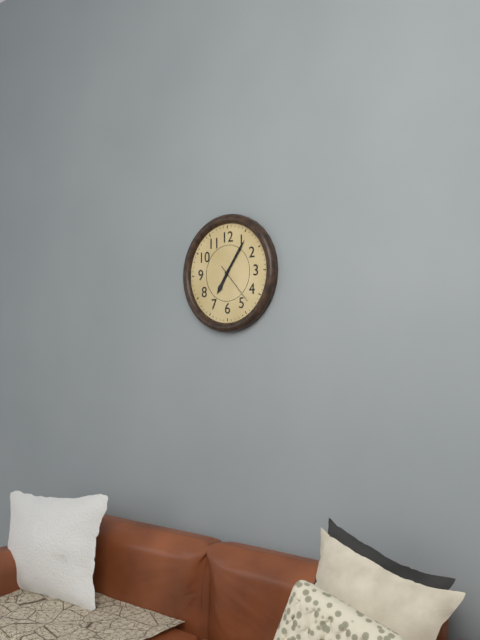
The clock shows 7:06
